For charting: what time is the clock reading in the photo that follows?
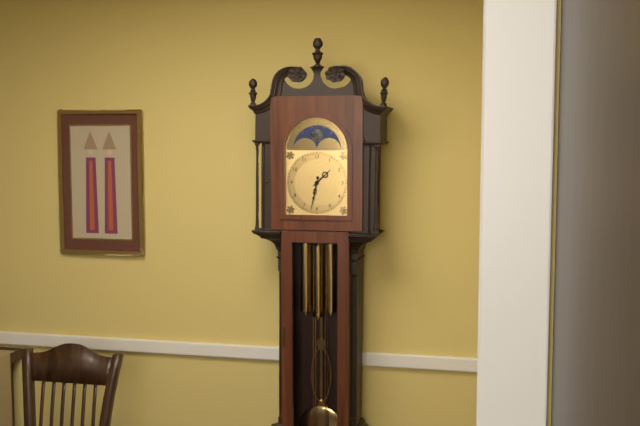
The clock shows 1:32
